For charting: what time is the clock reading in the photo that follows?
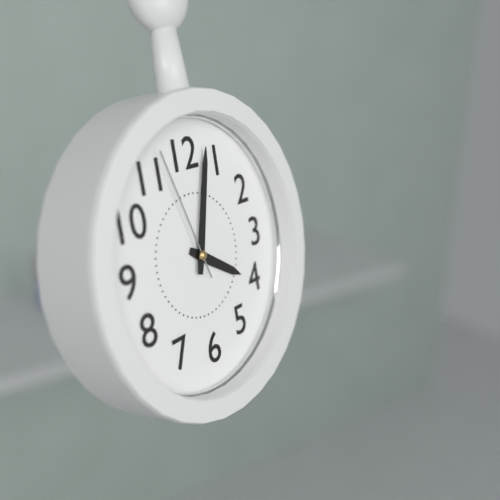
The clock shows 4:03:57
